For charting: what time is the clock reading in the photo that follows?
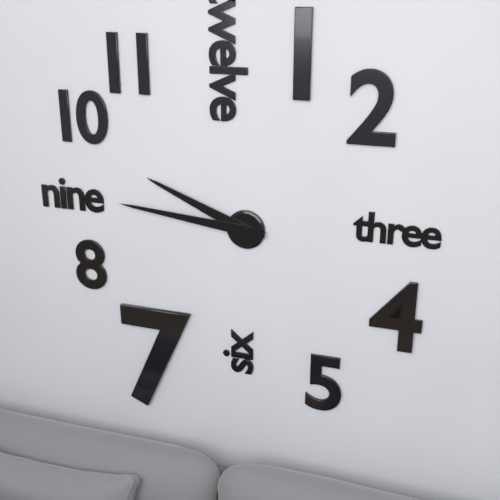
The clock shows 9:46
